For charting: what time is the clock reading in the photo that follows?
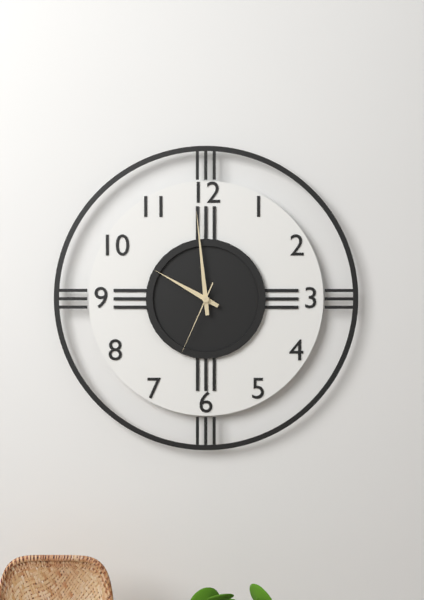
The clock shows 9:59:34
